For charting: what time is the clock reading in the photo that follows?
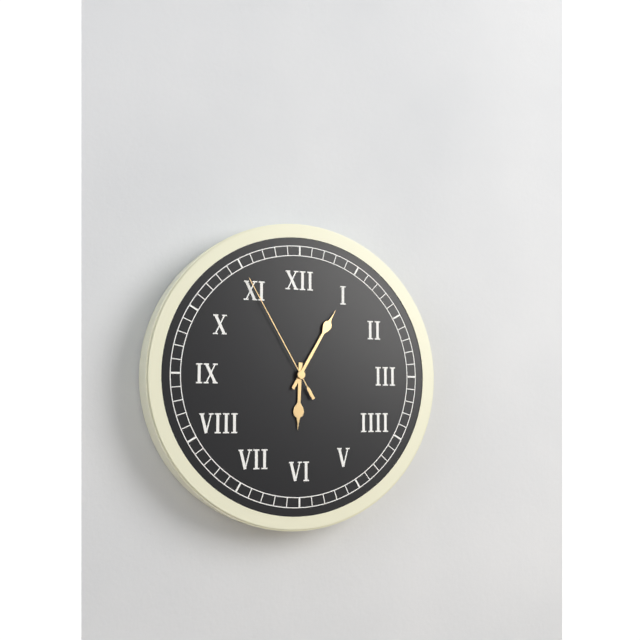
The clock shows 6:05:55
